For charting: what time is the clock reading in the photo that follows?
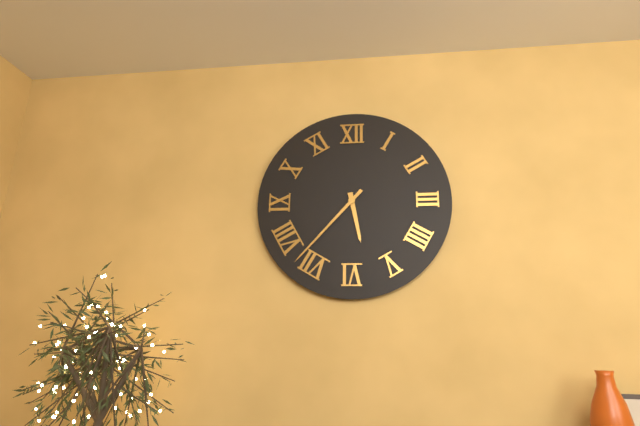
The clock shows 5:37
